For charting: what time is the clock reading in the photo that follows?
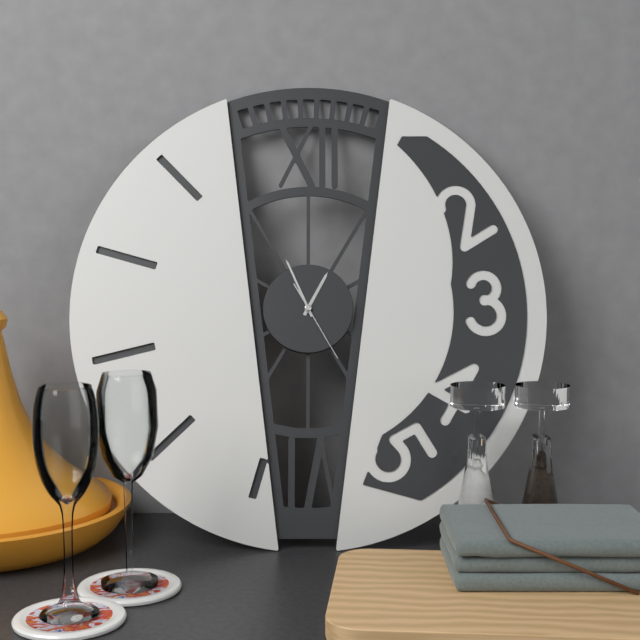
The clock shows 12:56:25
